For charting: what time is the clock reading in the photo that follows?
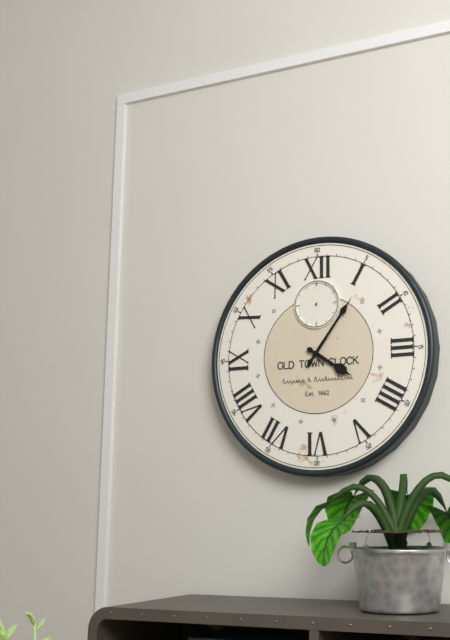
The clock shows 4:06
